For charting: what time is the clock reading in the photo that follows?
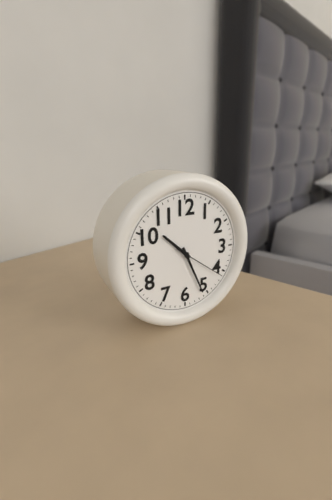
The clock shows 10:26
